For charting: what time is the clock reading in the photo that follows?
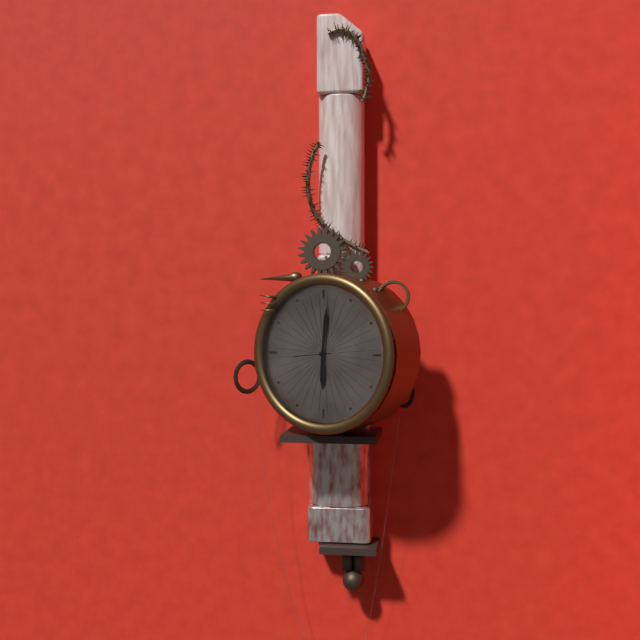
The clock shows 6:01
